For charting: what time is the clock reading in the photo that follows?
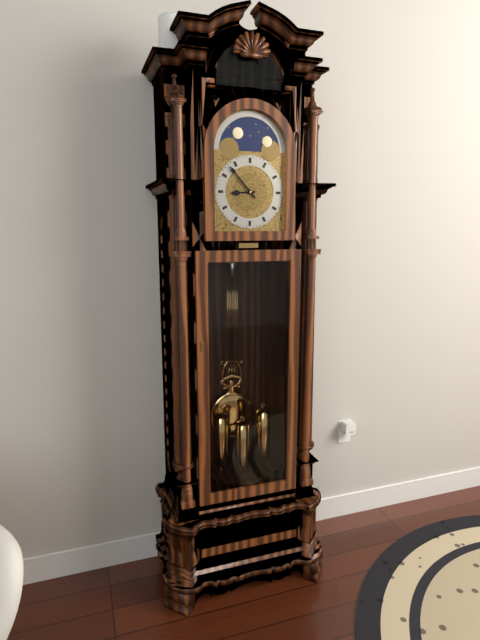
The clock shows 8:53
